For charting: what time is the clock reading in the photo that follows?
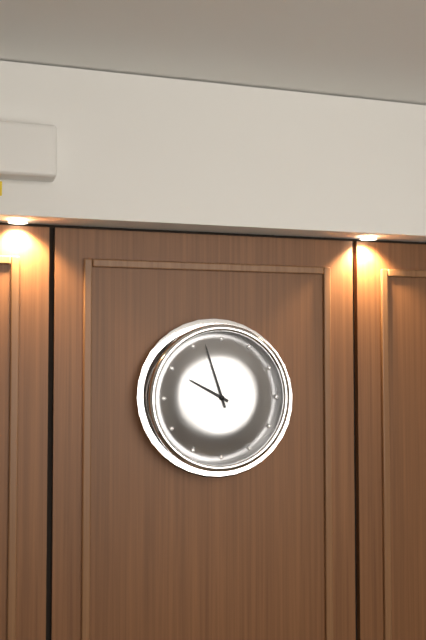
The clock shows 9:57
